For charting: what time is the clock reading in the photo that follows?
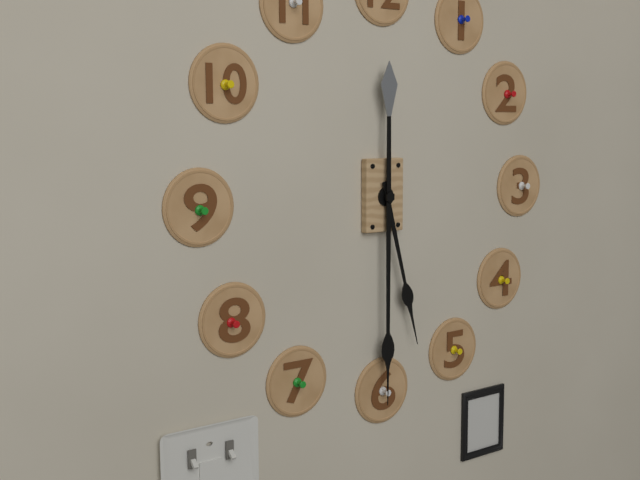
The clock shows 5:30
